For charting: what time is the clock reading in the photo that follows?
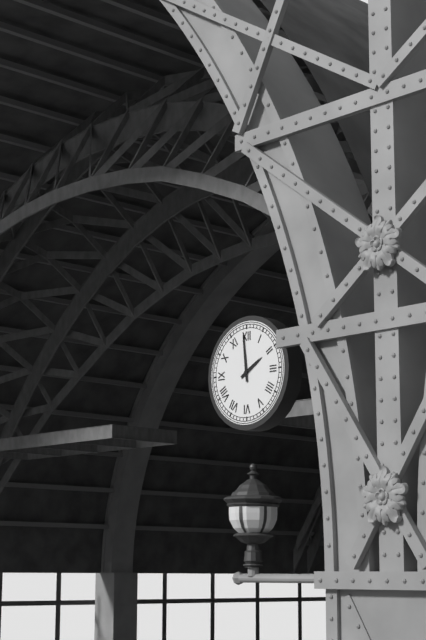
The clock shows 1:59
